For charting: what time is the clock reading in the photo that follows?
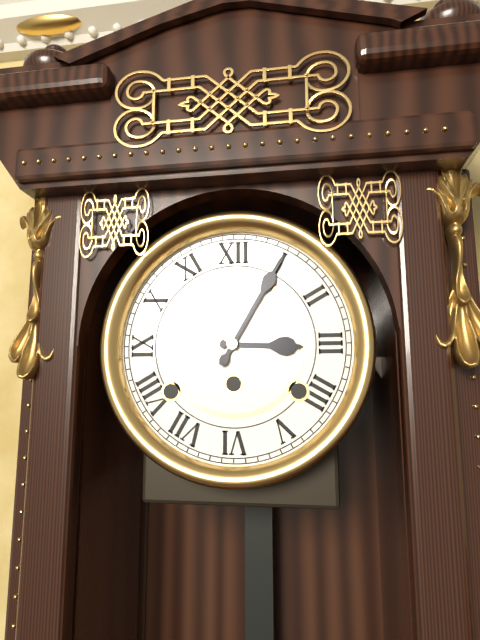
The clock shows 3:05
